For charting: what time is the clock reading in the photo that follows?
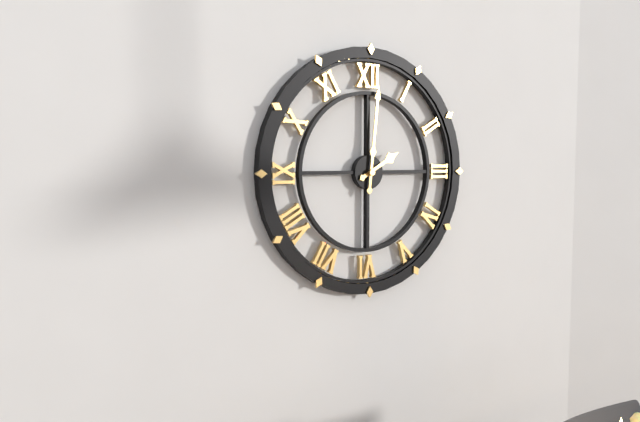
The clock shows 2:01
